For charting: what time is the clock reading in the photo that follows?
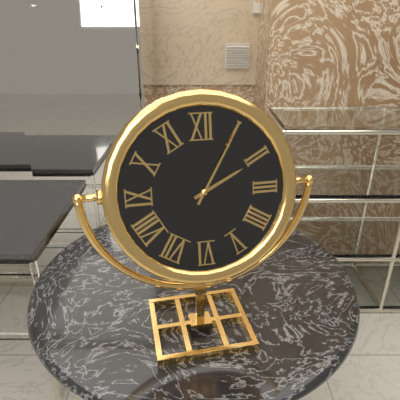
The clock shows 2:05
